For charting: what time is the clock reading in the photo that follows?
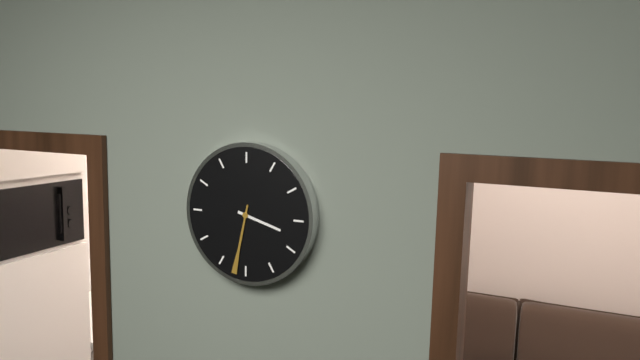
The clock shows 3:32
